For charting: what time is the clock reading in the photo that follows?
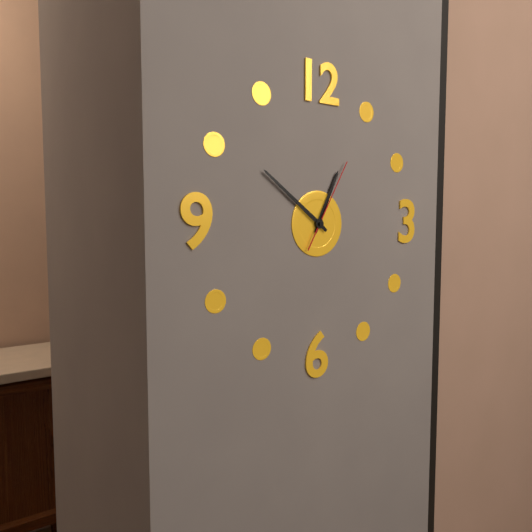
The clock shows 12:51:05
